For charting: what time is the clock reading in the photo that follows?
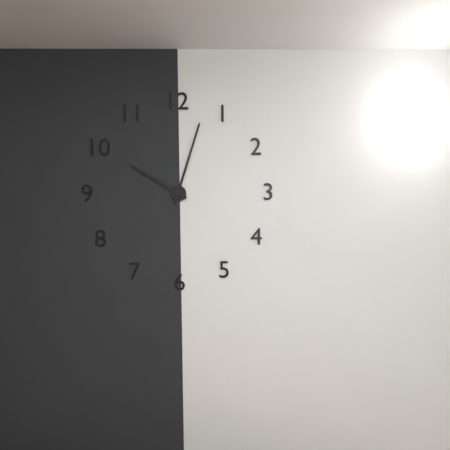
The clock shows 10:03
